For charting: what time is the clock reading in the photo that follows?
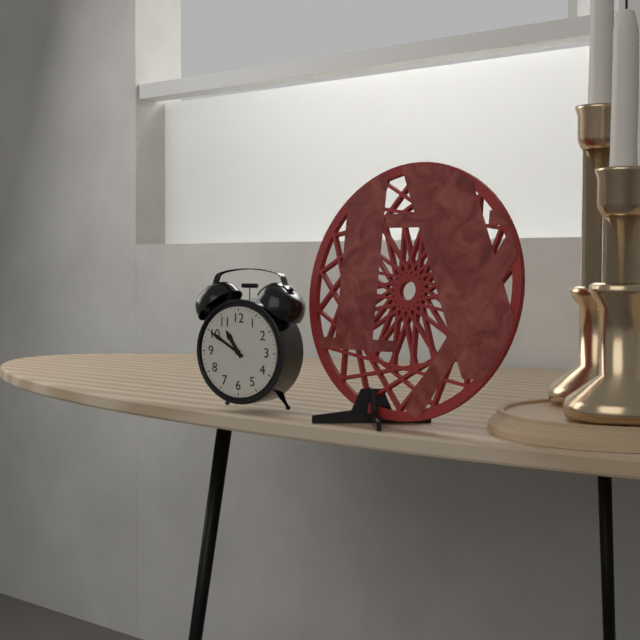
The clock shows 10:50
